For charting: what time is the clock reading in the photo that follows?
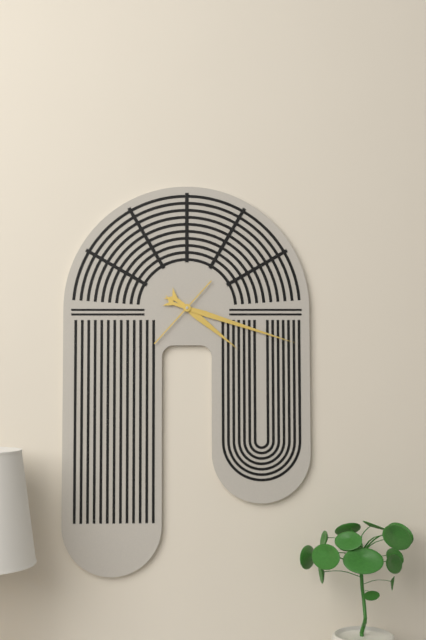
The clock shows 4:18:37
